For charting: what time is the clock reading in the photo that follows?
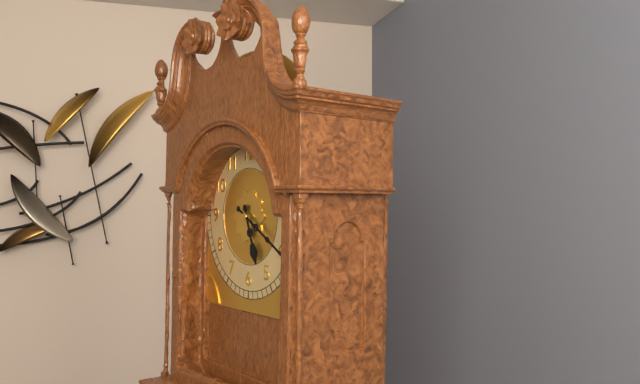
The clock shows 5:20
